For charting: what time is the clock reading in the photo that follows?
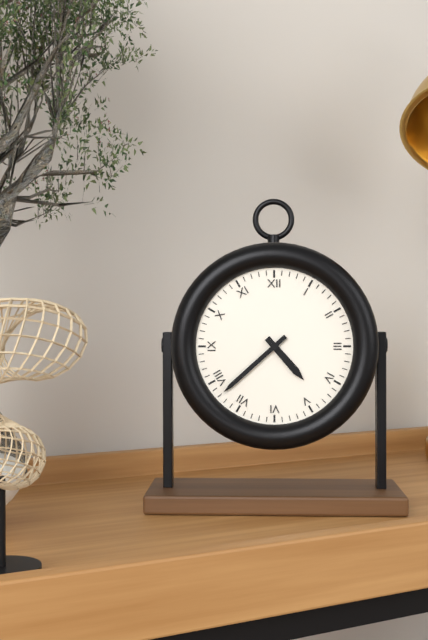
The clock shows 4:38
